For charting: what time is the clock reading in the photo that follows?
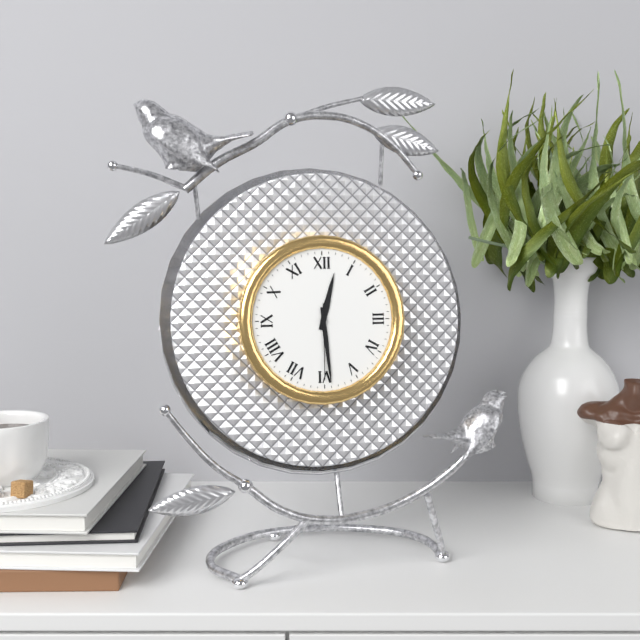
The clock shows 12:29:30
